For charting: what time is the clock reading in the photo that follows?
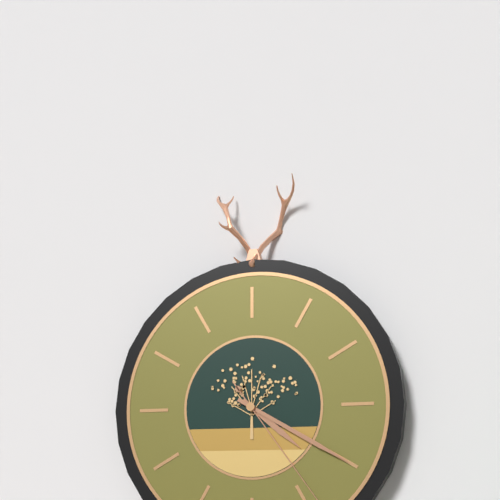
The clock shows 4:20
